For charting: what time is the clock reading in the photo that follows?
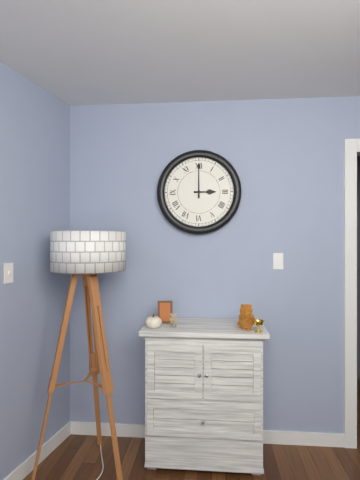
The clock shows 3:00
